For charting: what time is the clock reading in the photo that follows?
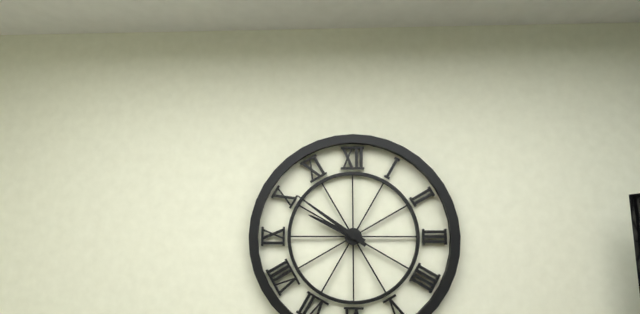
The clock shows 9:51
